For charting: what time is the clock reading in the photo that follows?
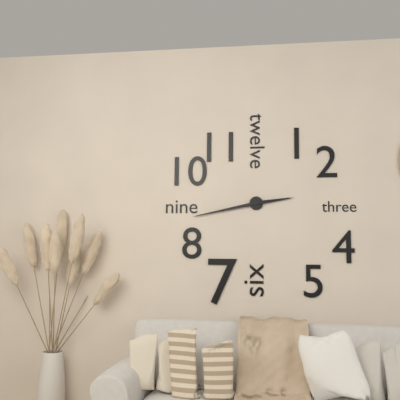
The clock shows 2:43
